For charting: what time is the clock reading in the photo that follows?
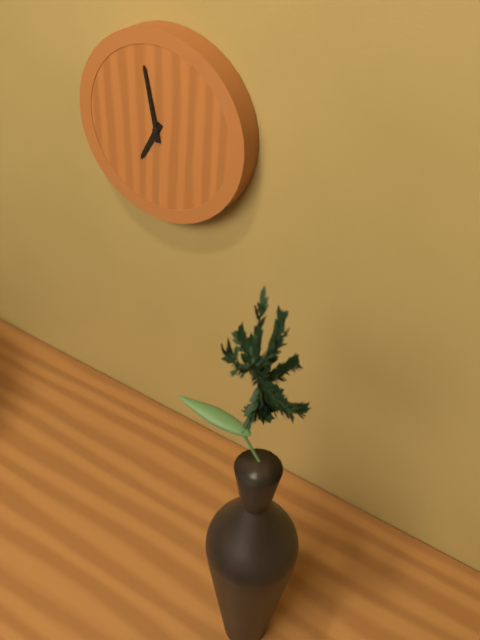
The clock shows 6:58
